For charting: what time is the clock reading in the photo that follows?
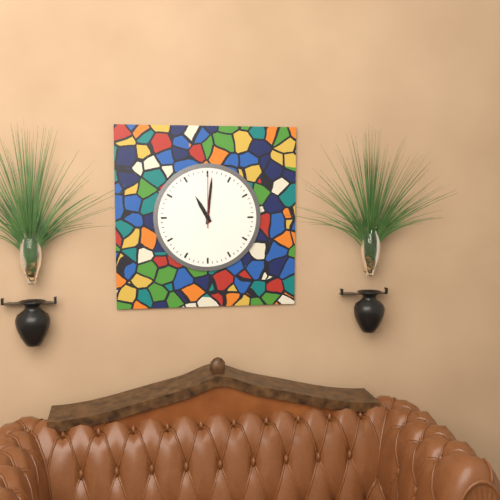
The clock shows 11:01:00
